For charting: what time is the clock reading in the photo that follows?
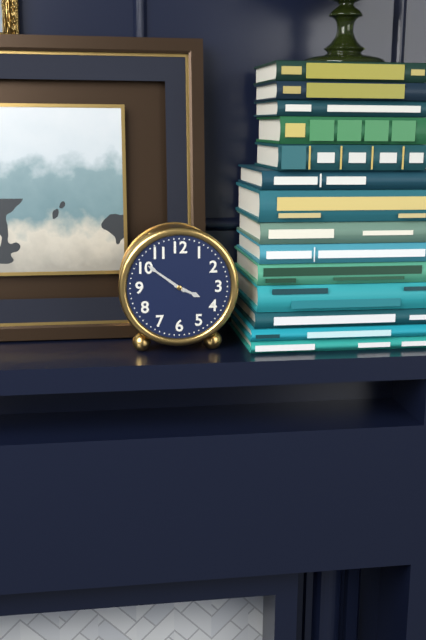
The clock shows 3:51
